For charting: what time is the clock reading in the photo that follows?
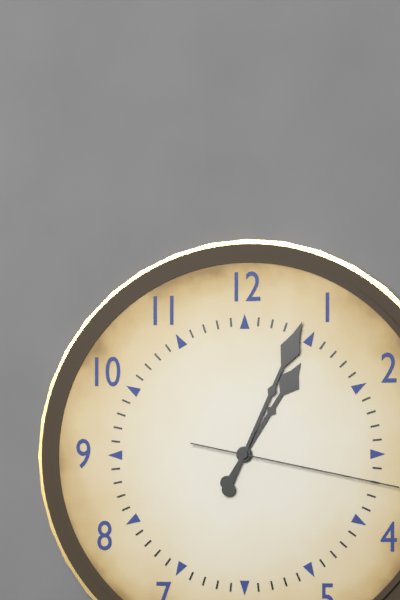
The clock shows 1:04:17
